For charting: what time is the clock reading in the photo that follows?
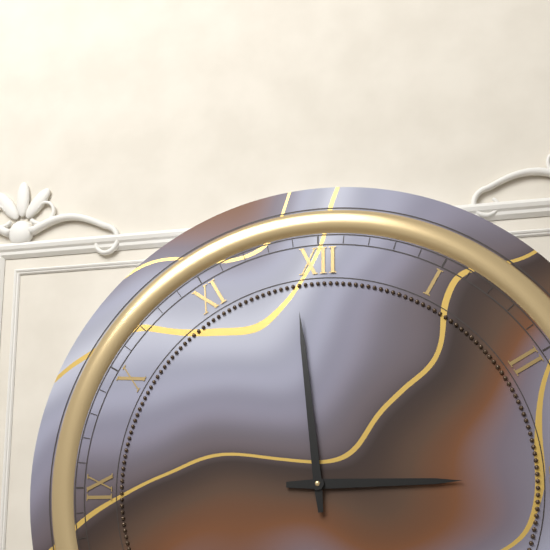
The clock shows 2:59
